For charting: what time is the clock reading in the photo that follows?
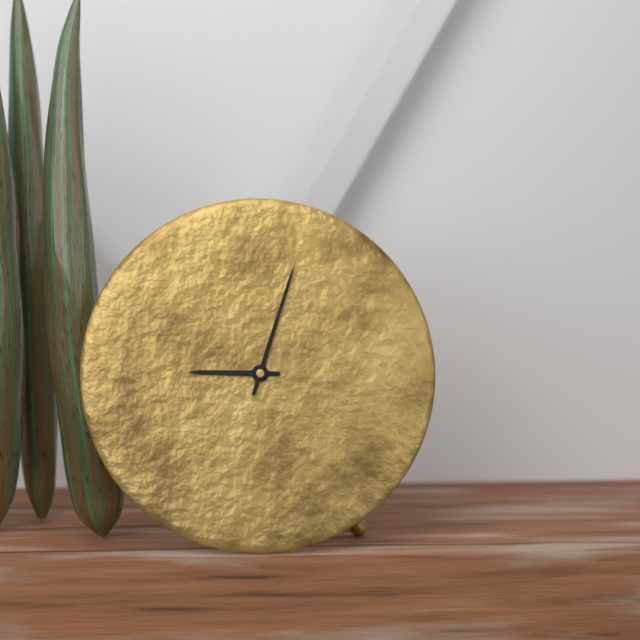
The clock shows 9:03
